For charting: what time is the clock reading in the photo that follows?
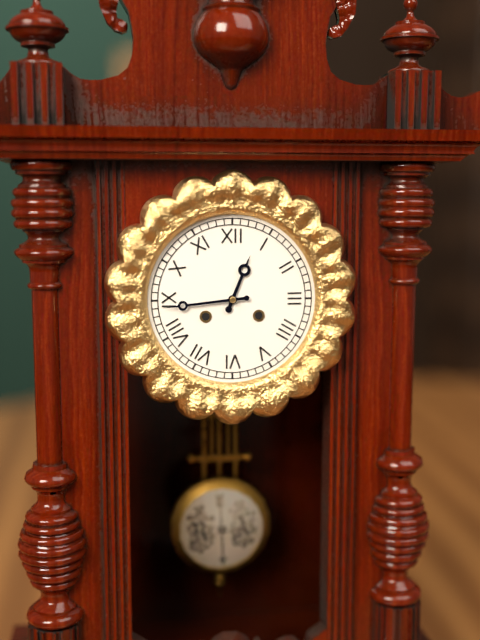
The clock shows 12:44
